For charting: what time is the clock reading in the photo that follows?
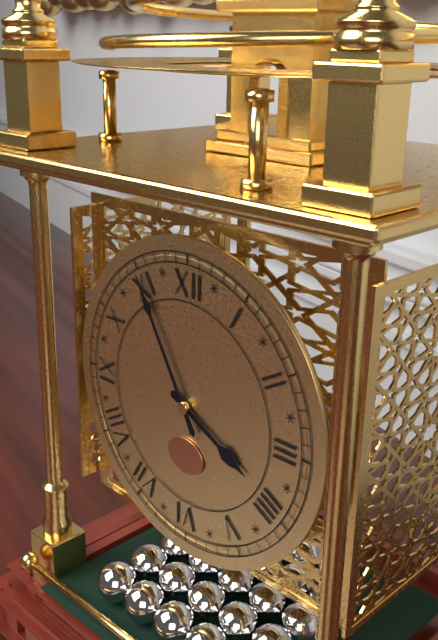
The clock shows 3:55
